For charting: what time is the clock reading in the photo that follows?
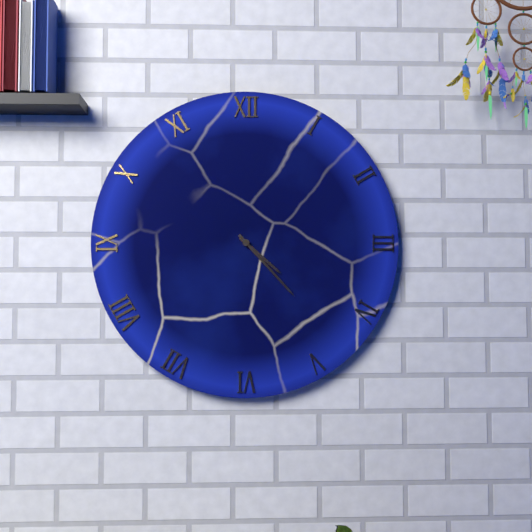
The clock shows 4:23
